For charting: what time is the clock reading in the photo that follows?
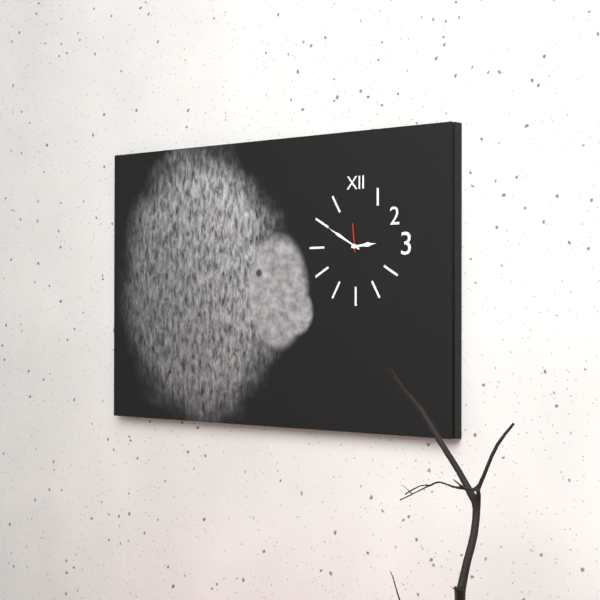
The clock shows 2:50
